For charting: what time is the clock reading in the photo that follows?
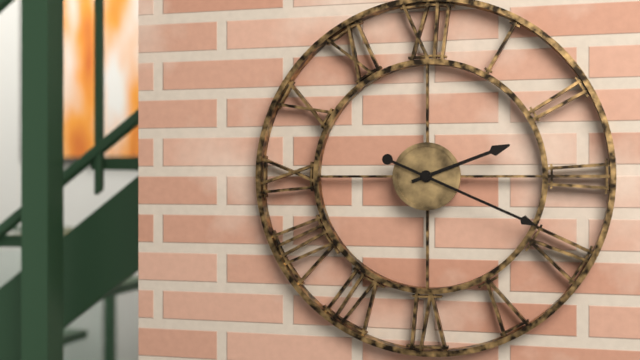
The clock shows 2:19
